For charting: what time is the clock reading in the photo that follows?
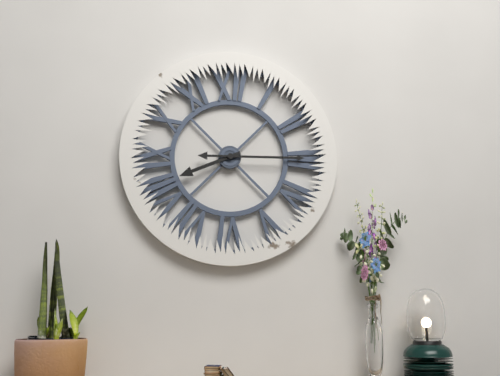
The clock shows 8:15
